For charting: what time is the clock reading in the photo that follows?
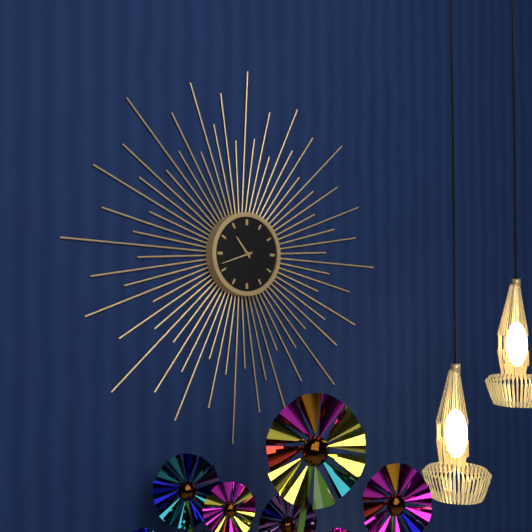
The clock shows 10:42
